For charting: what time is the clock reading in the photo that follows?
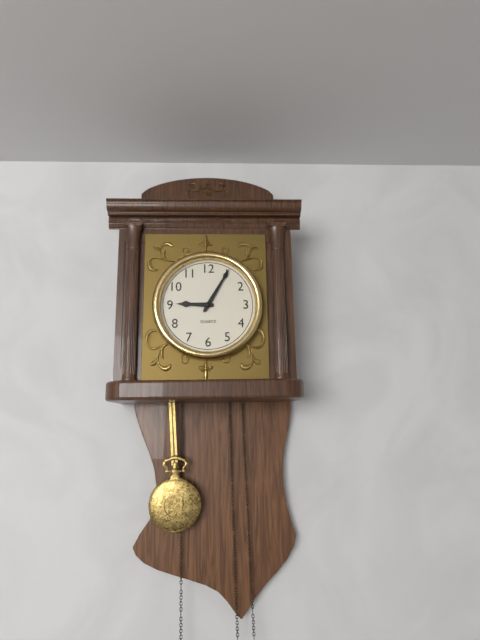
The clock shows 9:05
